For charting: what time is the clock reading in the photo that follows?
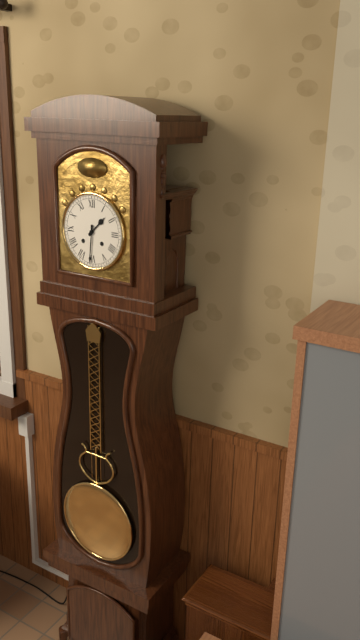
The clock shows 1:31
